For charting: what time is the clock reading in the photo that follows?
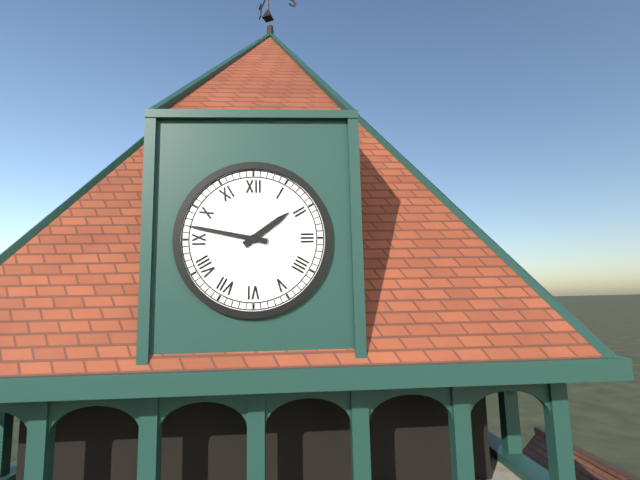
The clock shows 1:47
